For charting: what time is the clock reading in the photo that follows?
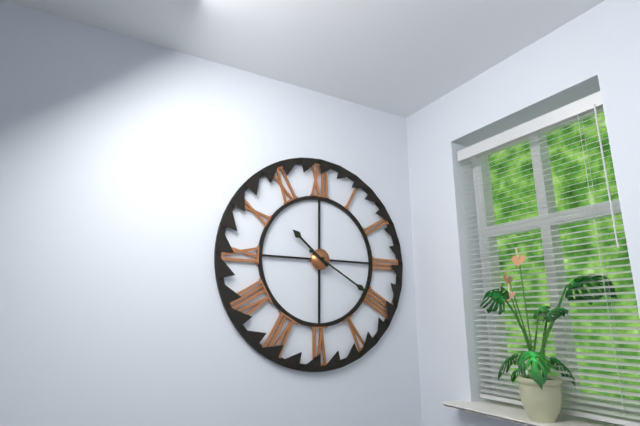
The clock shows 10:20
